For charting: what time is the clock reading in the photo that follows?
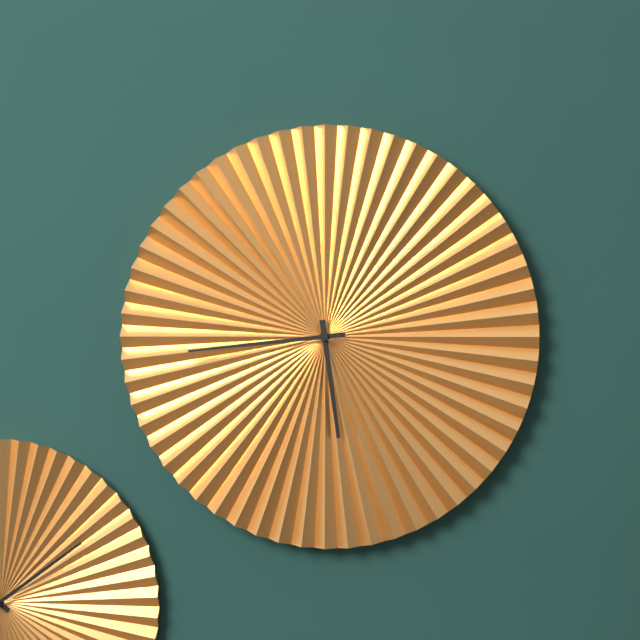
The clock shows 5:44
